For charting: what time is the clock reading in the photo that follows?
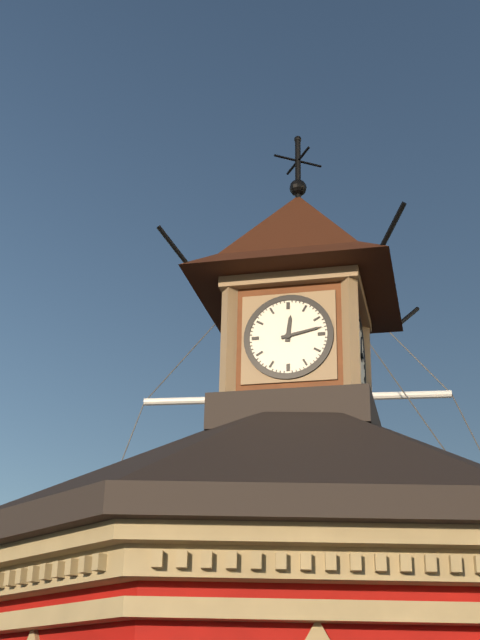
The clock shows 12:13
